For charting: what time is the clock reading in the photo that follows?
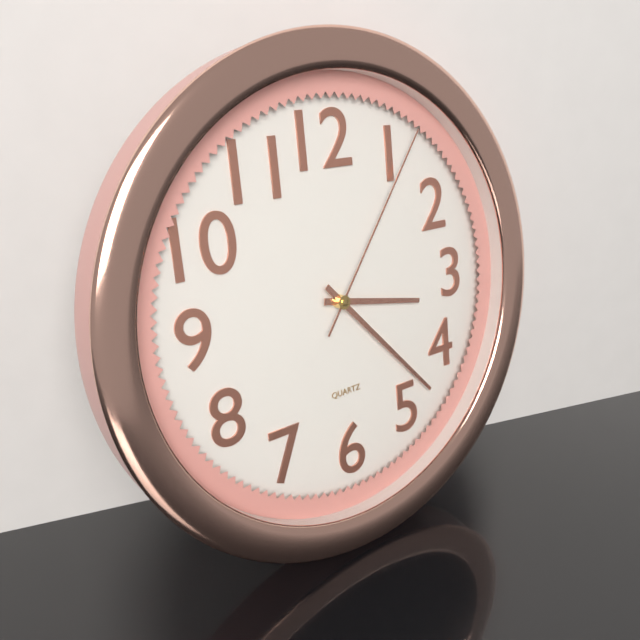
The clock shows 3:23:06
